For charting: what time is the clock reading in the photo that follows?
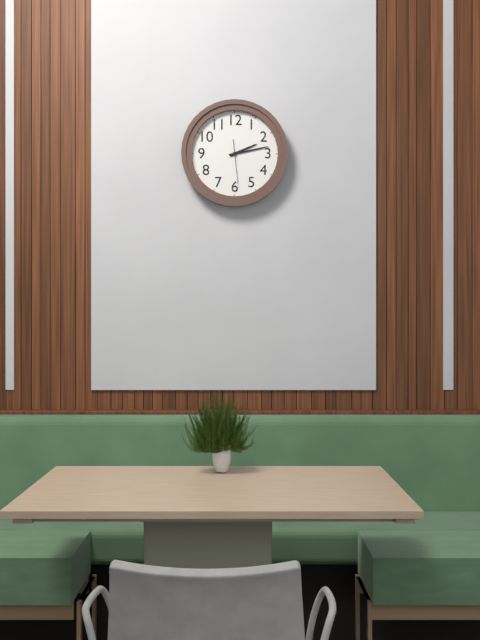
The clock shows 2:13
